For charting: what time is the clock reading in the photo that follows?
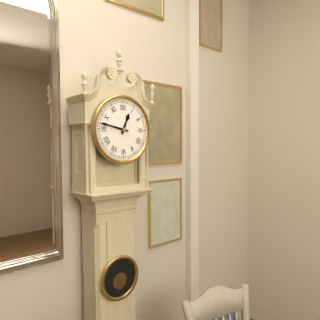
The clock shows 12:47
